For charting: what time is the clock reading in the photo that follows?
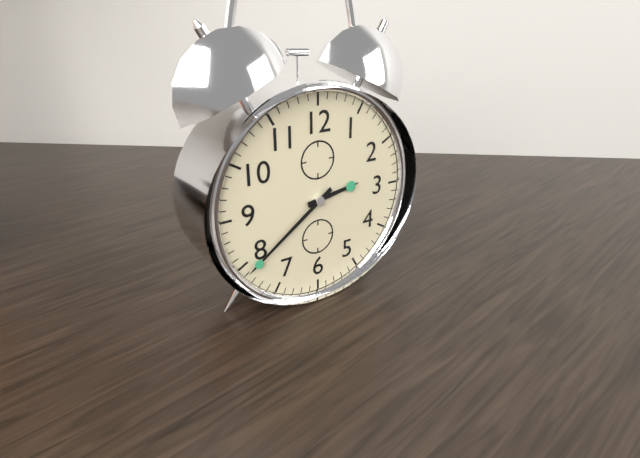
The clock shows 2:39
